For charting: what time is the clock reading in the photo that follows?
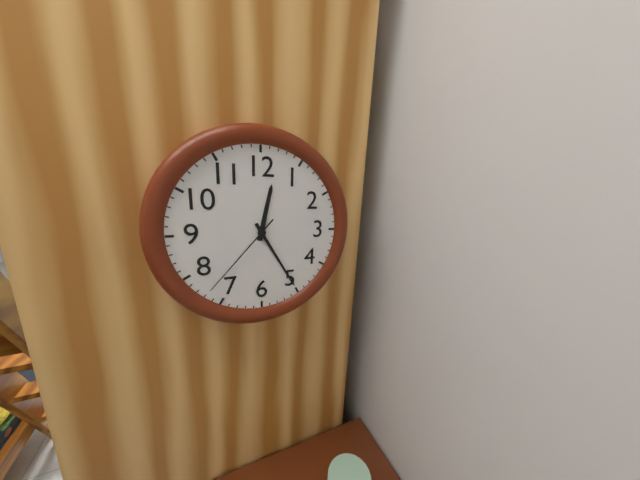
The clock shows 12:25:37
